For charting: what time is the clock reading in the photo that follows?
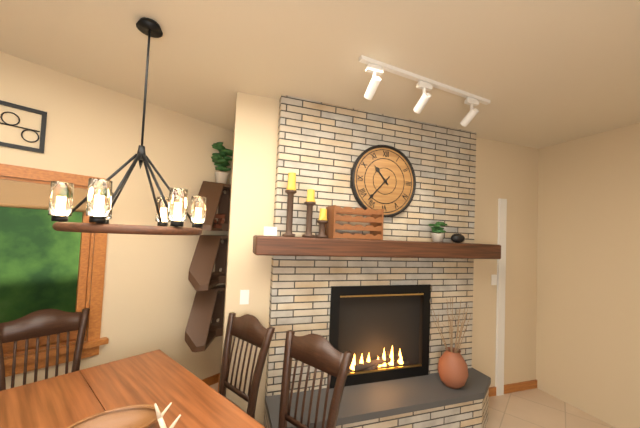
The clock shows 10:37
